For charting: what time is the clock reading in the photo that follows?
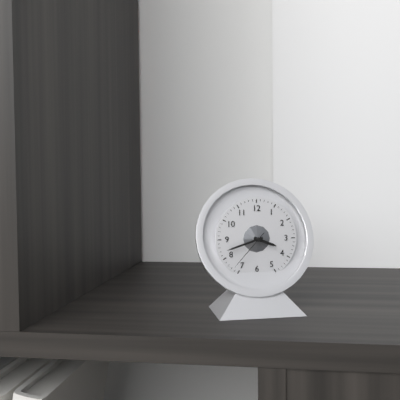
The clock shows 3:42
